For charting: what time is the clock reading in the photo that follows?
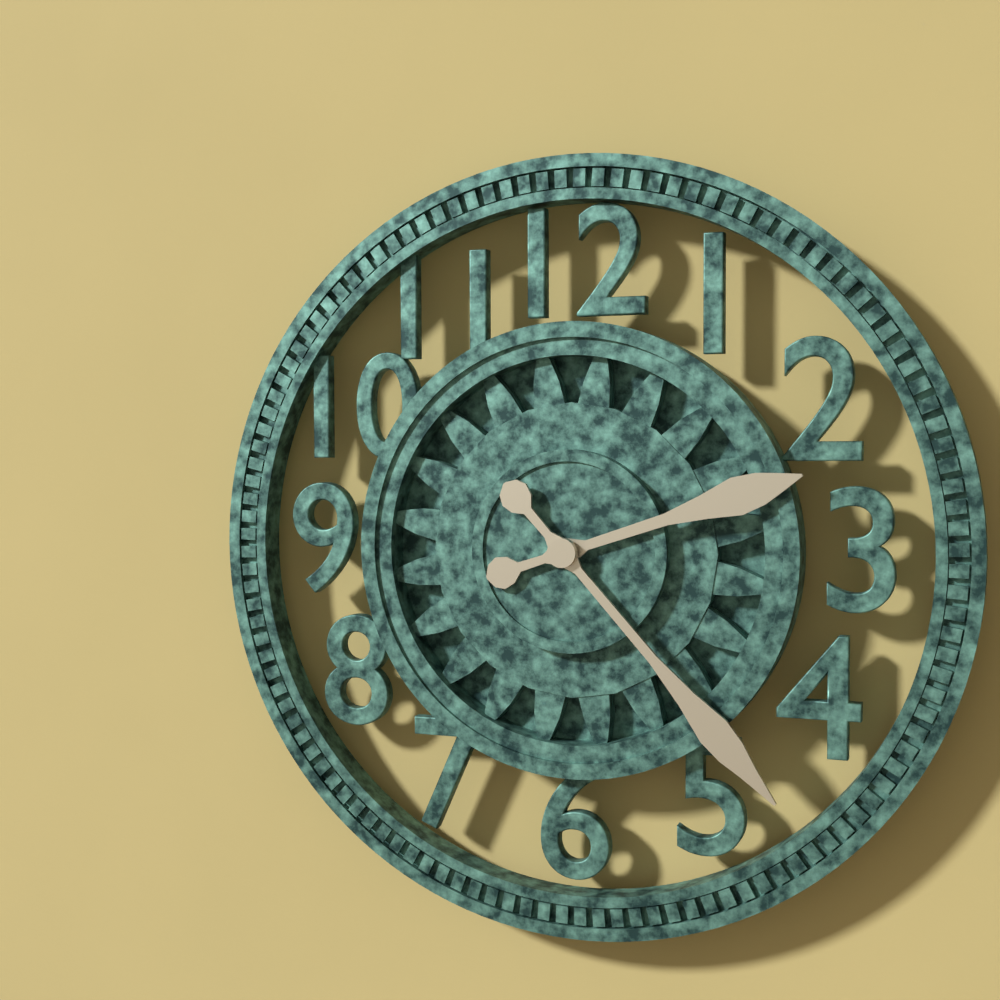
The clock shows 2:23
